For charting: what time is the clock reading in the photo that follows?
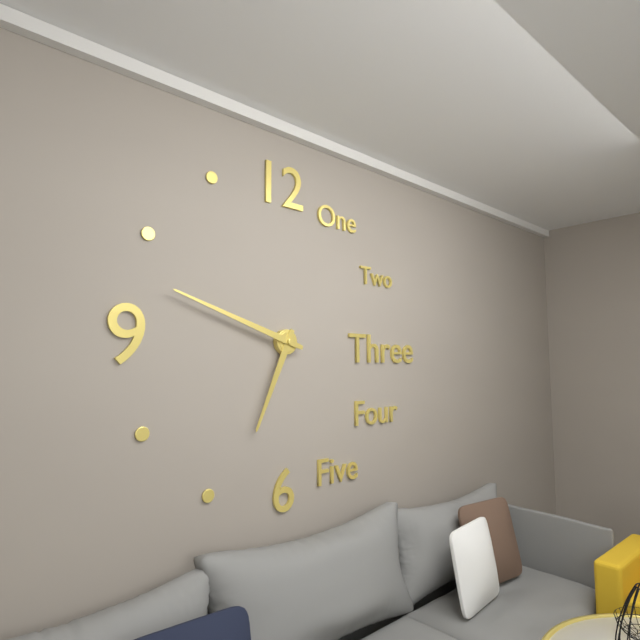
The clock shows 6:48
